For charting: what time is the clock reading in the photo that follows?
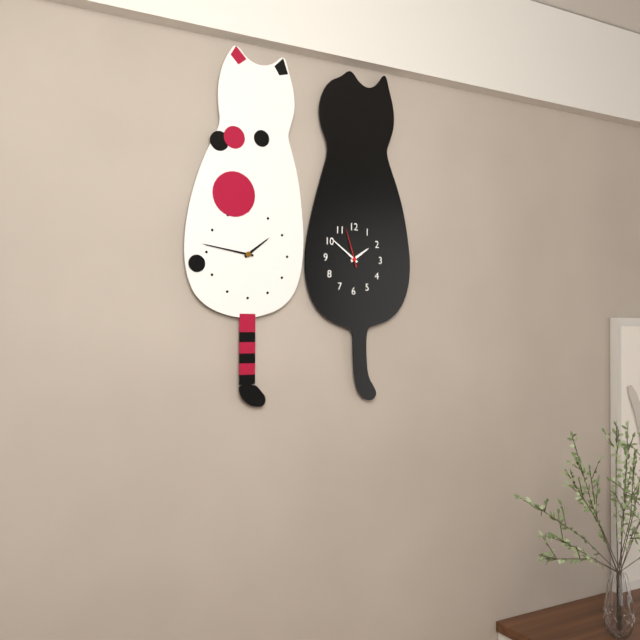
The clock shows 1:51
